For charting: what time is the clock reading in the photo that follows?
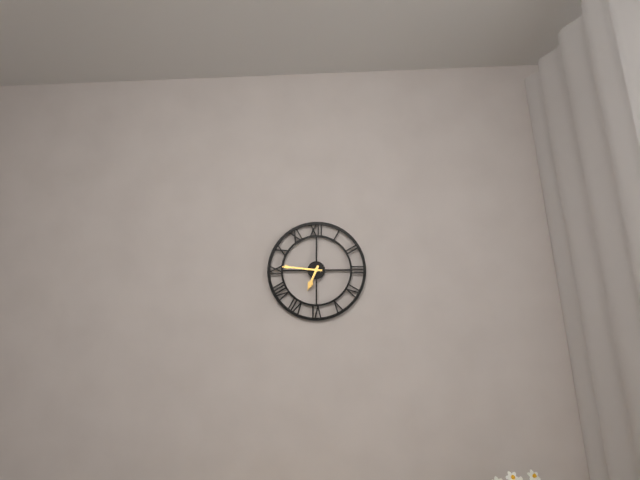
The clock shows 6:46
